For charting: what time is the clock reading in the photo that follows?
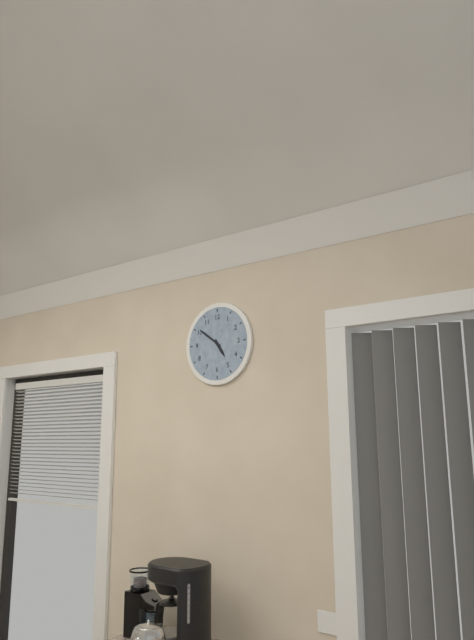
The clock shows 4:51
